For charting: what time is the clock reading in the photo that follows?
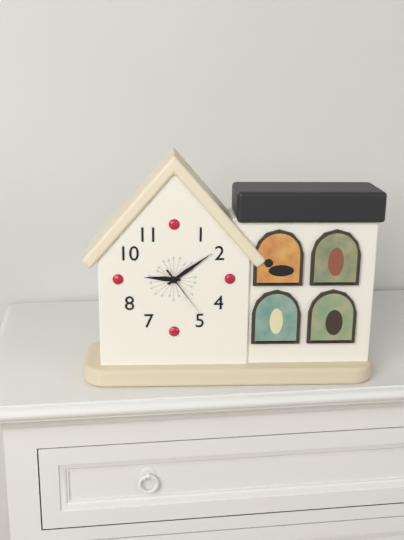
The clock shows 9:09:24
